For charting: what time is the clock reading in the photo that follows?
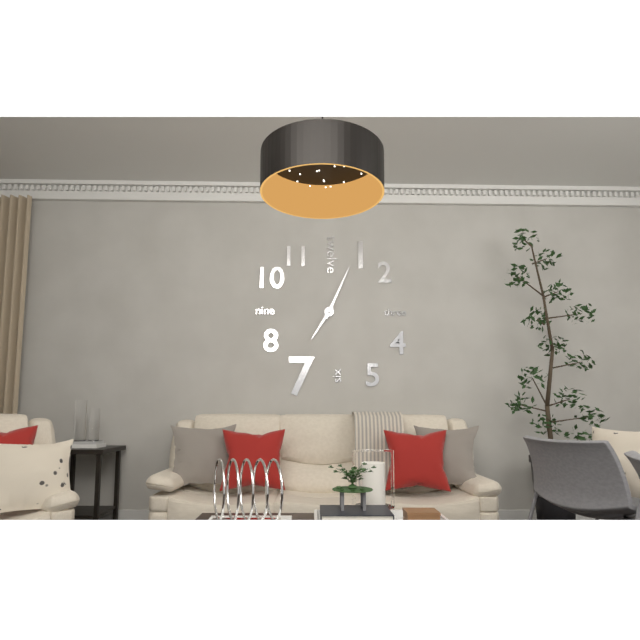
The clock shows 7:04
